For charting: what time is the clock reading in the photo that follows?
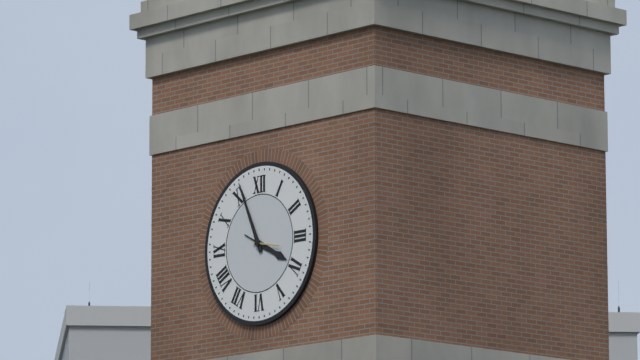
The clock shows 3:56
